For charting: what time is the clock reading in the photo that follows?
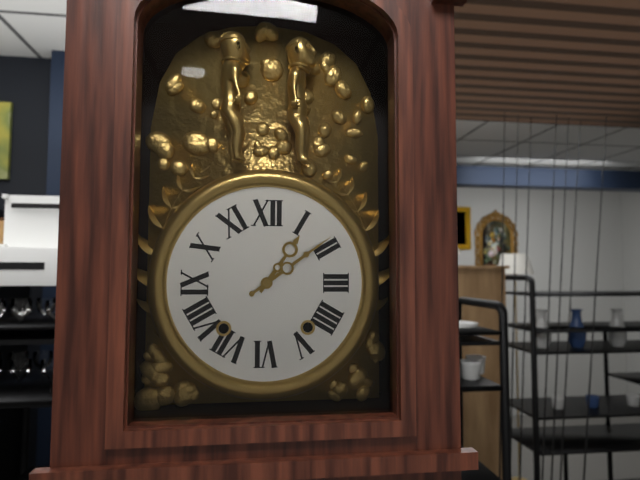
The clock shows 1:09
